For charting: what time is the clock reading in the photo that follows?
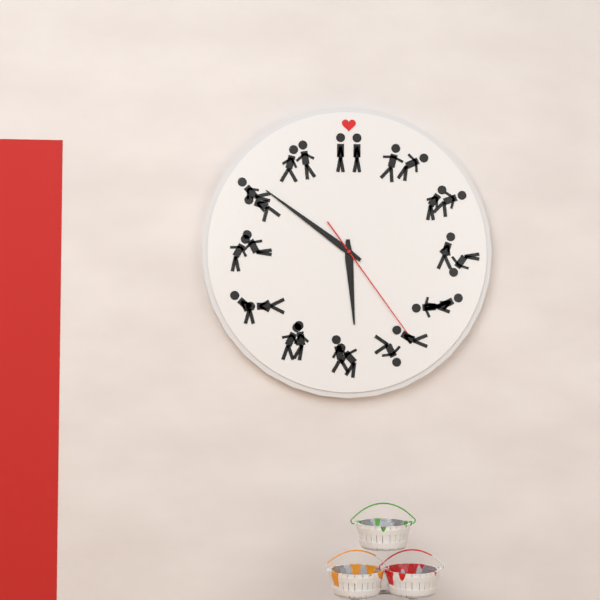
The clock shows 5:51:24
